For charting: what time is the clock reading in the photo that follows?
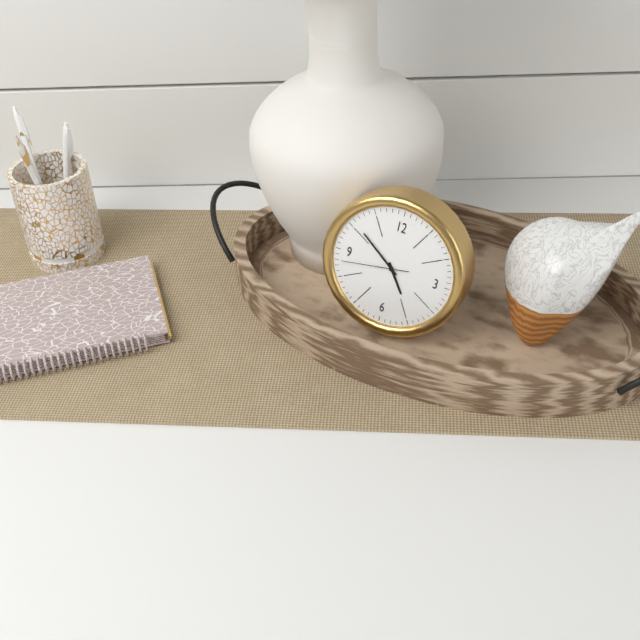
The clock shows 4:51:43
